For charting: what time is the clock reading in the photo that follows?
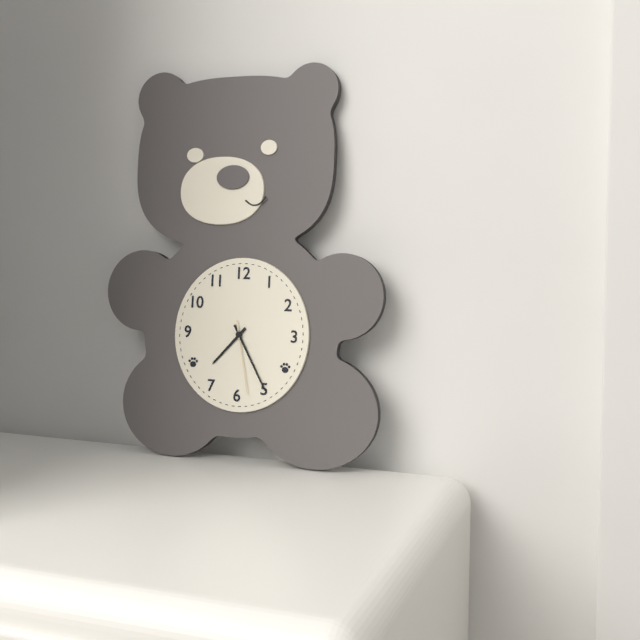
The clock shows 7:25:28
